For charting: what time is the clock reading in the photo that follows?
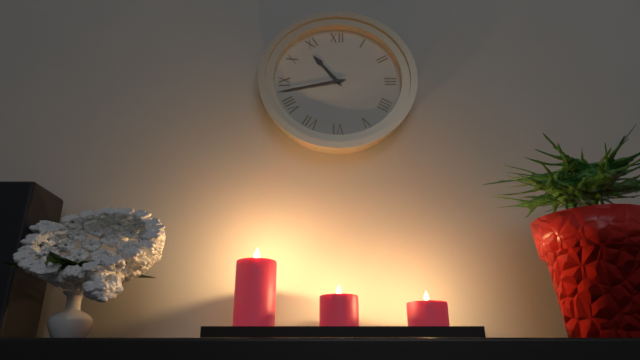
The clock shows 10:43
